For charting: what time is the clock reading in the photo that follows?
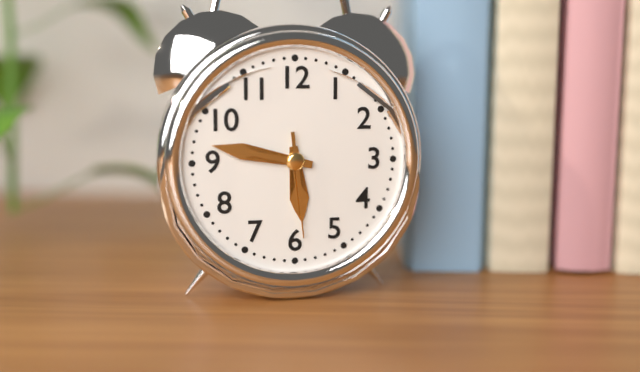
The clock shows 5:47:29
